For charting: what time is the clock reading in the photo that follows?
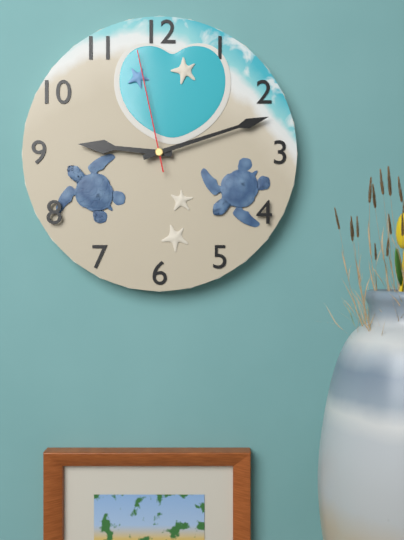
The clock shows 9:12:58
